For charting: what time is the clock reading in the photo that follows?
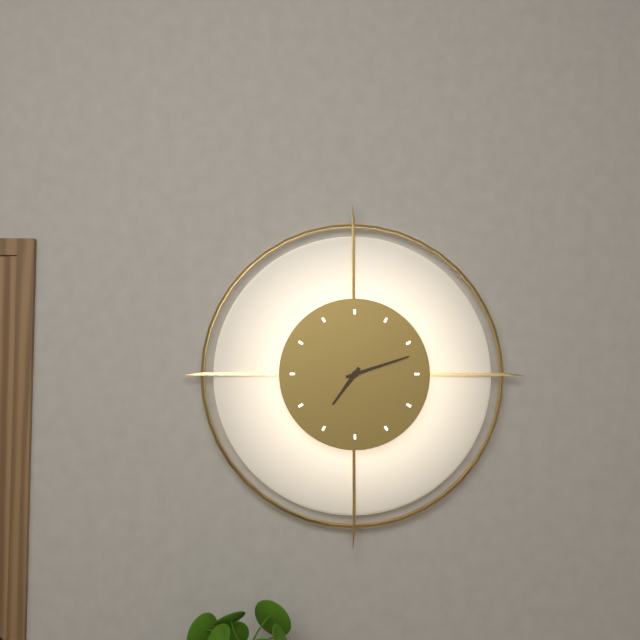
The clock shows 7:12
